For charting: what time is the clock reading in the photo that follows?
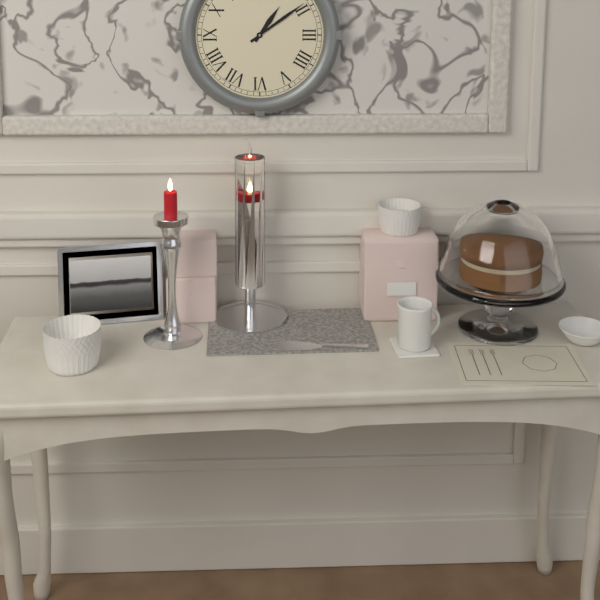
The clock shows 1:09
